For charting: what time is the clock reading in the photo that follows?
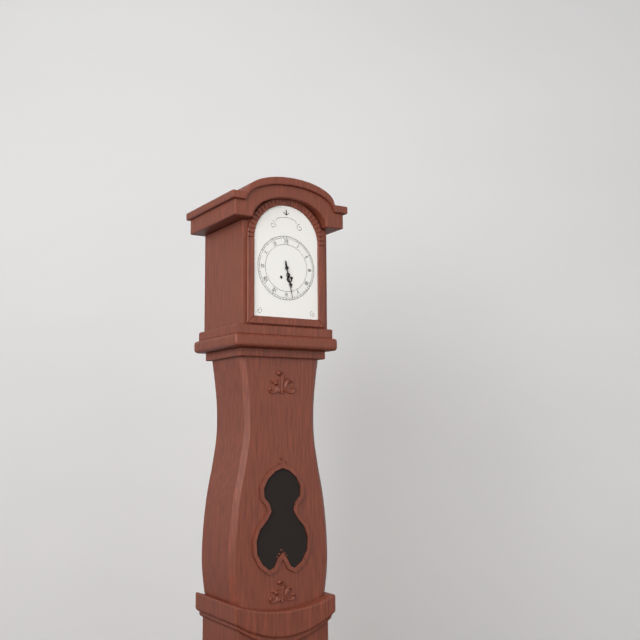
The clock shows 5:28
